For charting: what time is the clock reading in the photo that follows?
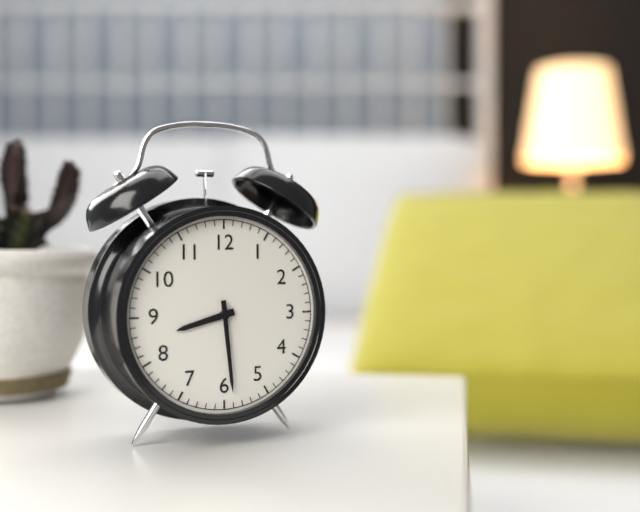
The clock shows 8:29
